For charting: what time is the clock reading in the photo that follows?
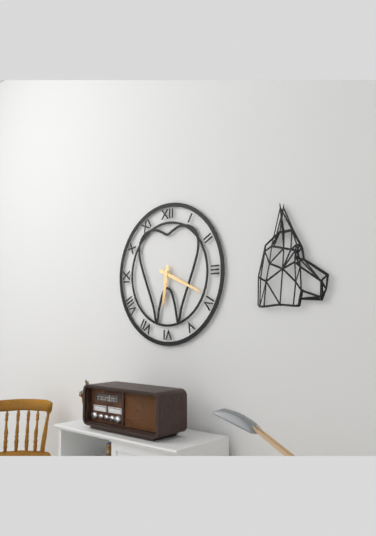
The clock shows 6:19
